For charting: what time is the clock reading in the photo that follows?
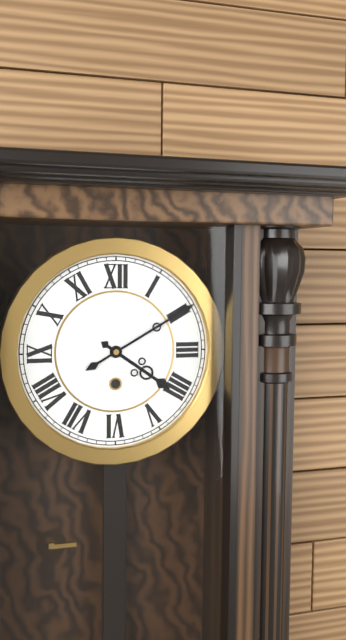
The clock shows 4:10
